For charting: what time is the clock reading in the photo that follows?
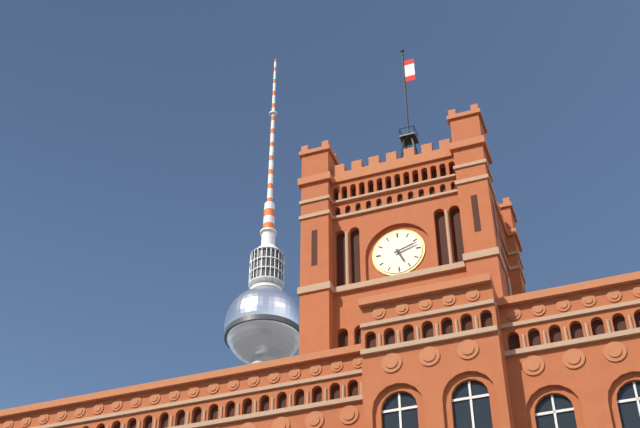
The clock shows 5:12
